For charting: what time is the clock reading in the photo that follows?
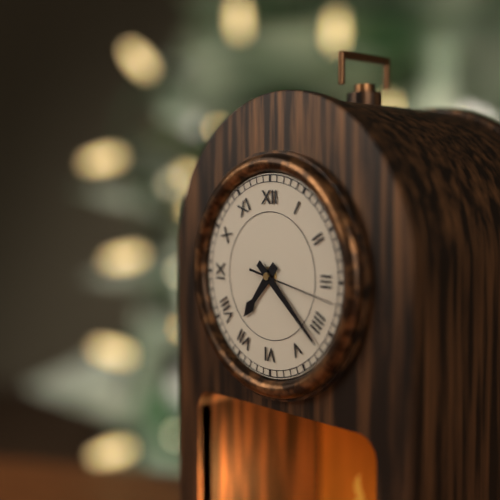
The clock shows 7:22:17
